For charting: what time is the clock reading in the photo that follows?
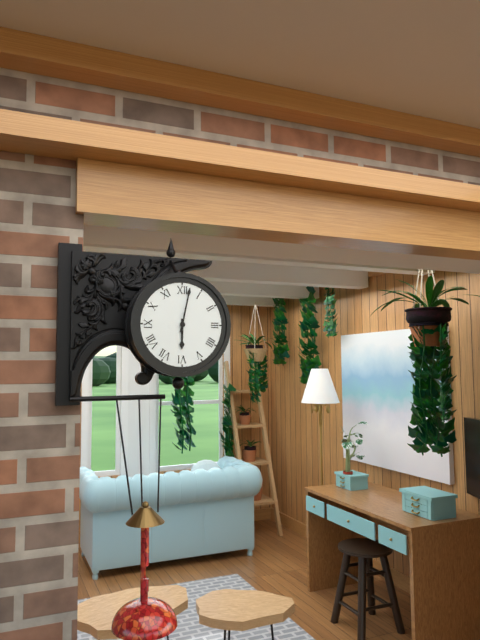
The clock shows 6:02
